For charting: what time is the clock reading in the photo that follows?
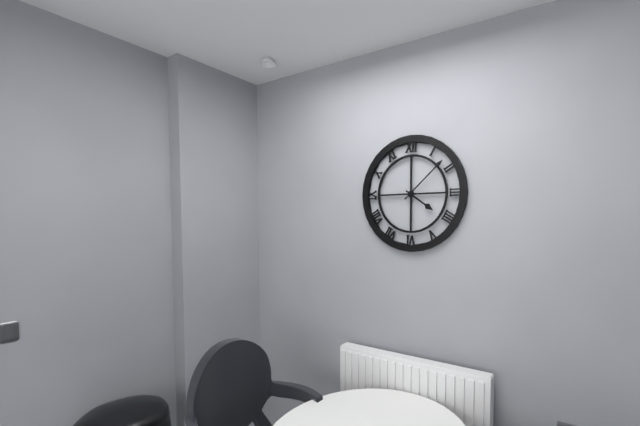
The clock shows 4:08
